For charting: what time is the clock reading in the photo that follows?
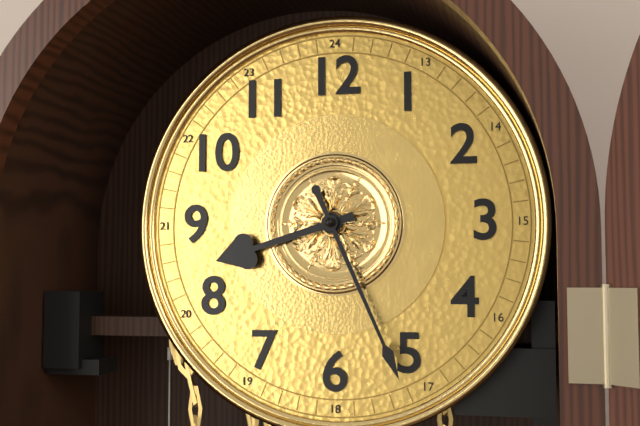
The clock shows 8:26
